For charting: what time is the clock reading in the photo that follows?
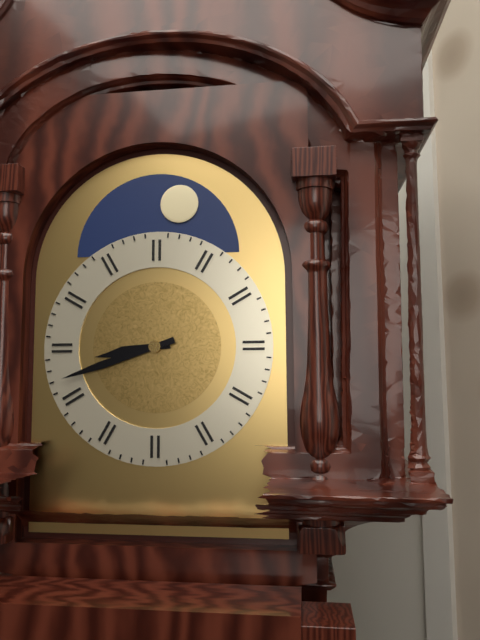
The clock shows 8:42
